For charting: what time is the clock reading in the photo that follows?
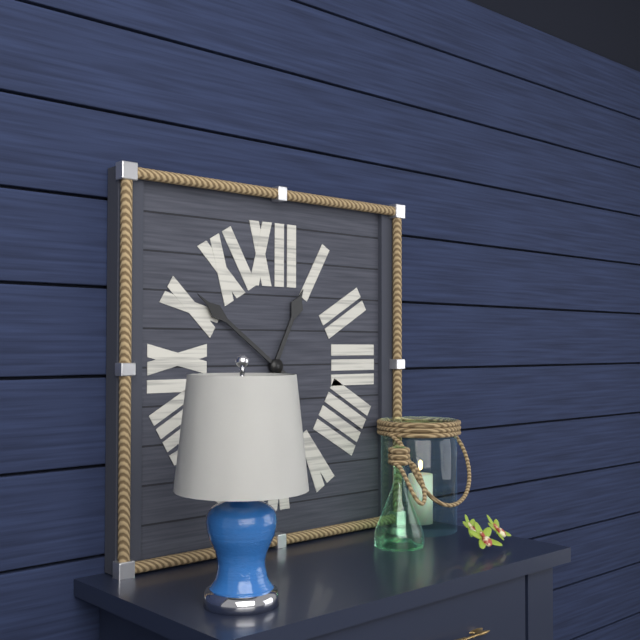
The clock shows 12:51
